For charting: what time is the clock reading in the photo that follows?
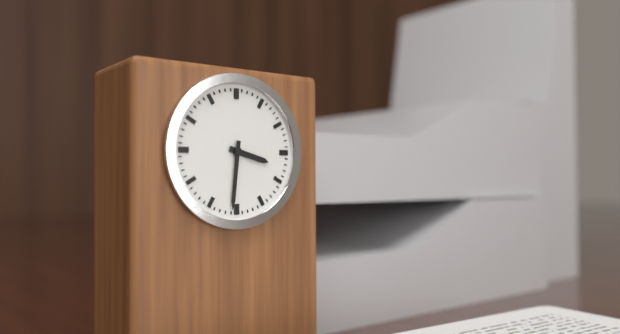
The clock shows 3:31
